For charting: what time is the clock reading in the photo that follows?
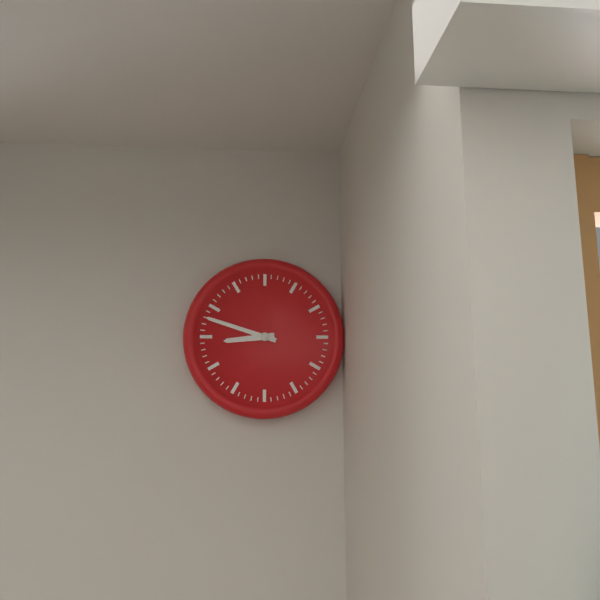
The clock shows 8:48
